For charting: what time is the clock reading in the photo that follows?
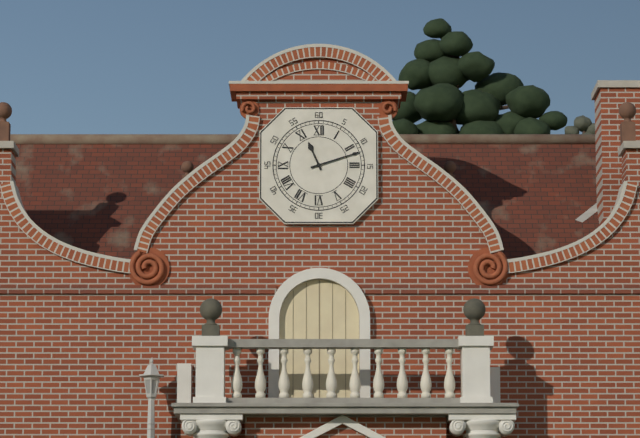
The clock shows 11:12
